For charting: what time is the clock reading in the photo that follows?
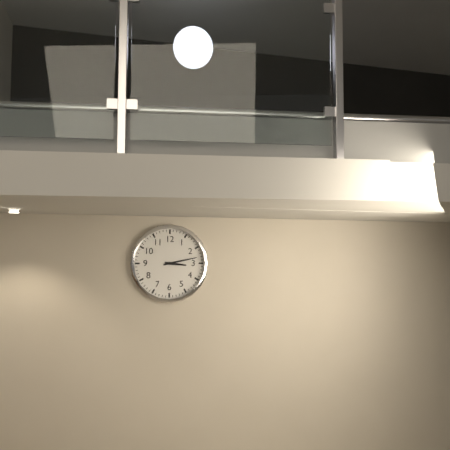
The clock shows 3:13
